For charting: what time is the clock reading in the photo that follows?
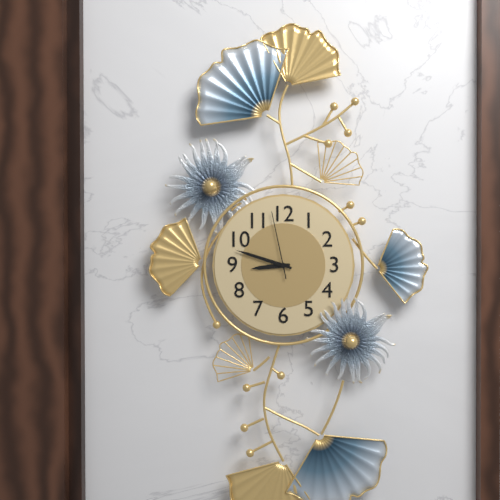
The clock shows 8:48:58
